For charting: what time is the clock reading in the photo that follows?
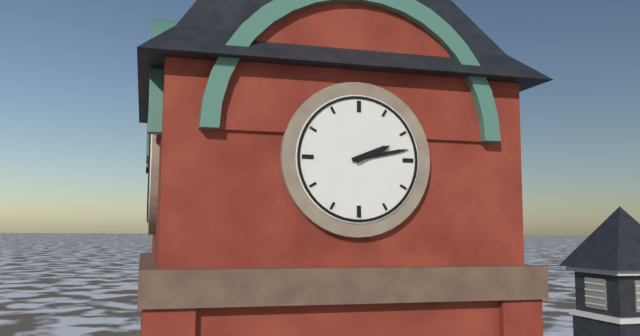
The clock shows 2:13
